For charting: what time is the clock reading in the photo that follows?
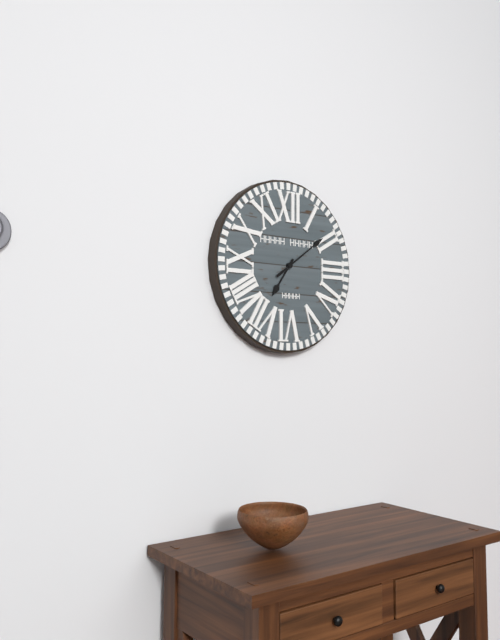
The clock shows 7:09
